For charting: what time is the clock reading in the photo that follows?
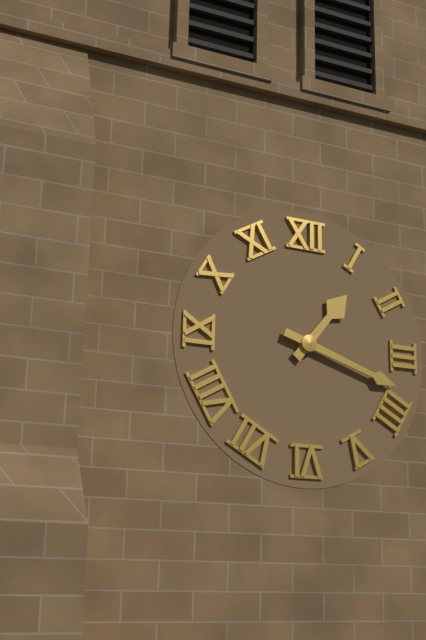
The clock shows 1:18
